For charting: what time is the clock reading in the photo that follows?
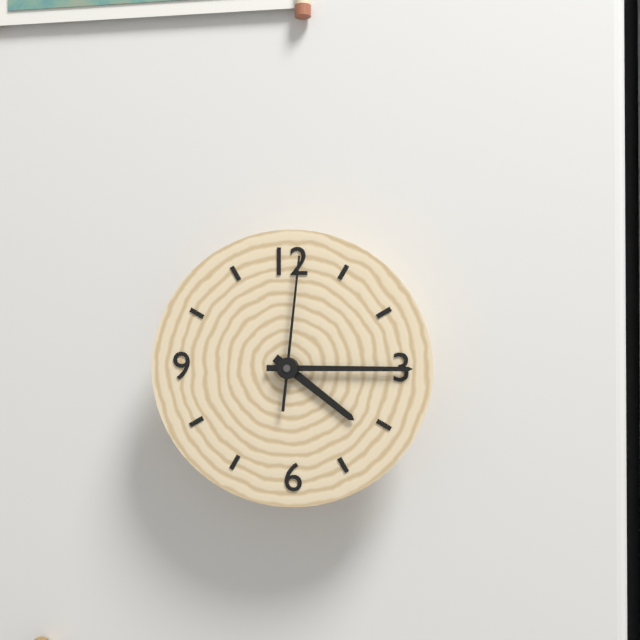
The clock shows 4:15:01
